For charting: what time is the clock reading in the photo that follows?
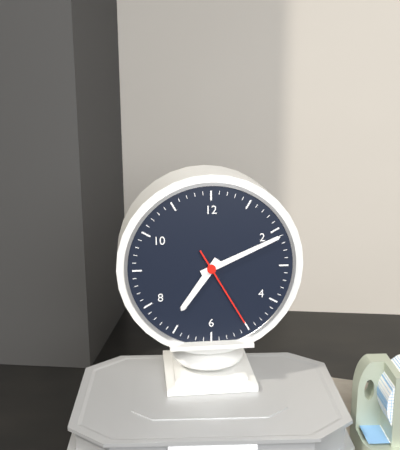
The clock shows 7:11:25
